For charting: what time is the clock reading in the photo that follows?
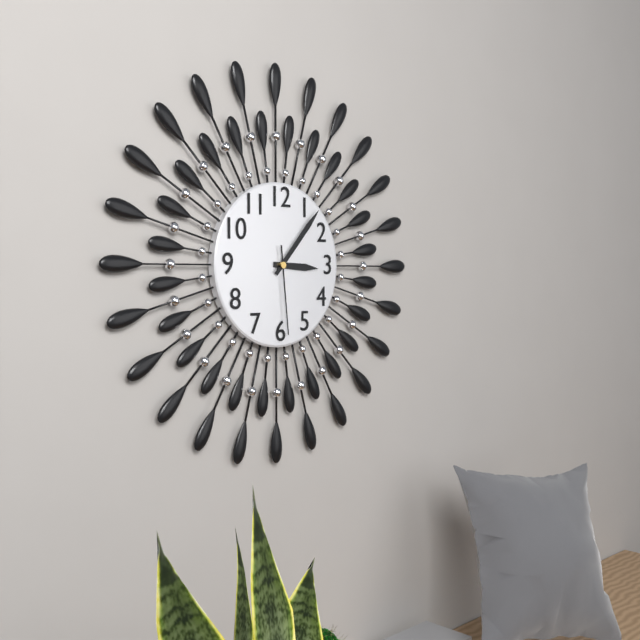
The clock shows 3:07:29
